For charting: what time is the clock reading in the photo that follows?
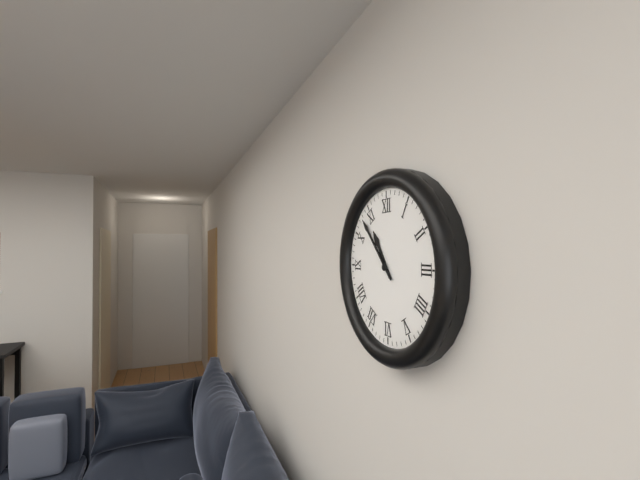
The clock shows 10:53
